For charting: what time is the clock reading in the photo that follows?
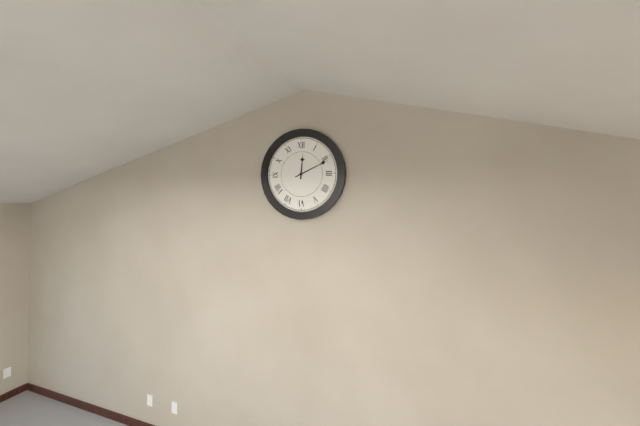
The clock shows 12:11
